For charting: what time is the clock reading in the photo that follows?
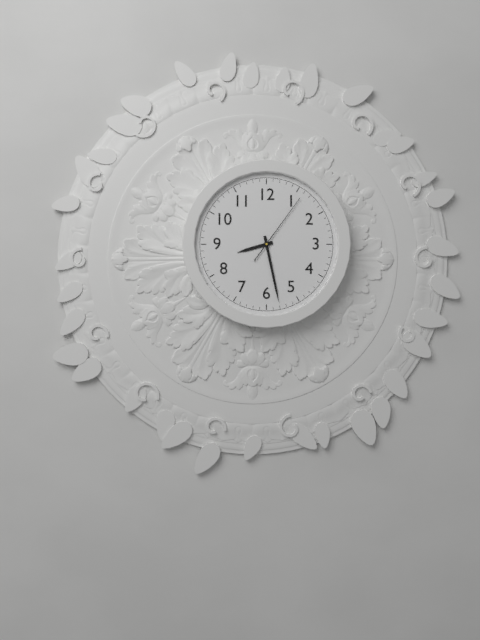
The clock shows 8:28:06
